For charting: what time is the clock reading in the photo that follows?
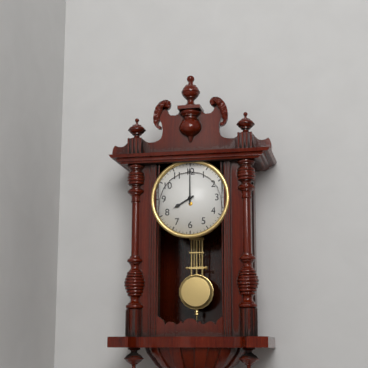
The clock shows 8:00
